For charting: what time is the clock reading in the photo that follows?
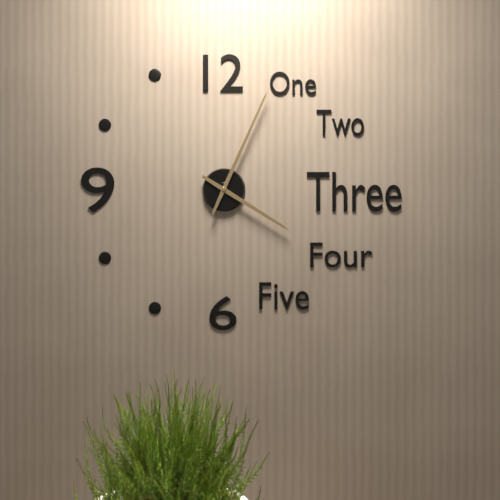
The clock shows 4:04
